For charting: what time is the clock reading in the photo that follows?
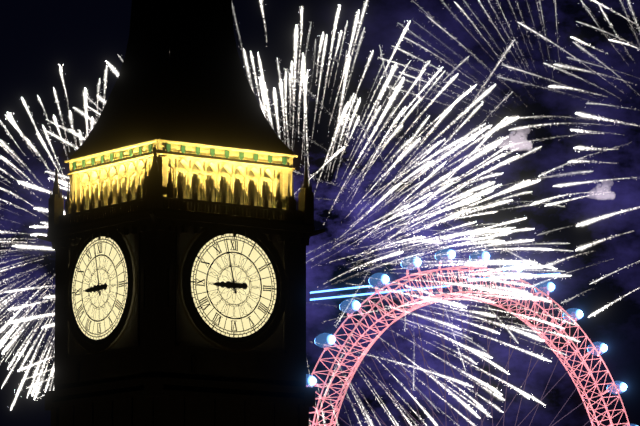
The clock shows 8:58
